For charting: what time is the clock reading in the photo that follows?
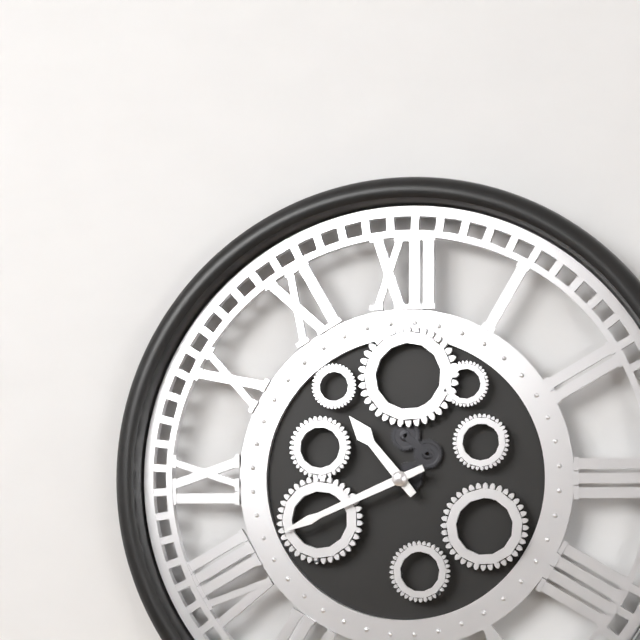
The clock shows 10:41
